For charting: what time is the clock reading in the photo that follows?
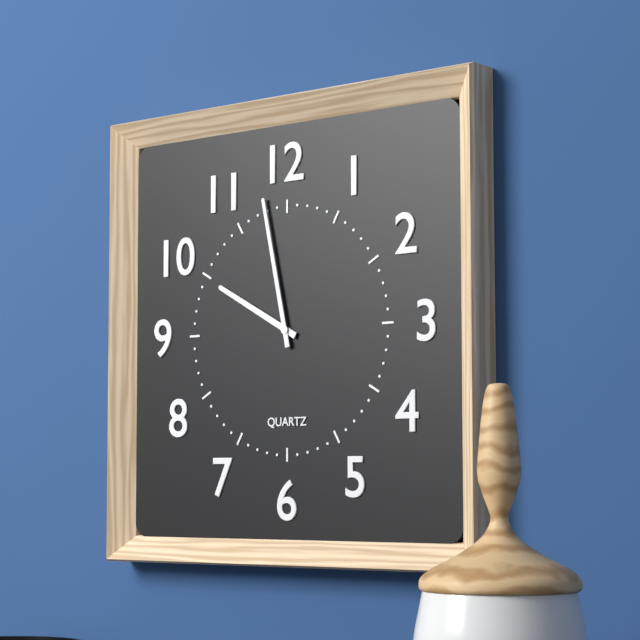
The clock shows 9:58
